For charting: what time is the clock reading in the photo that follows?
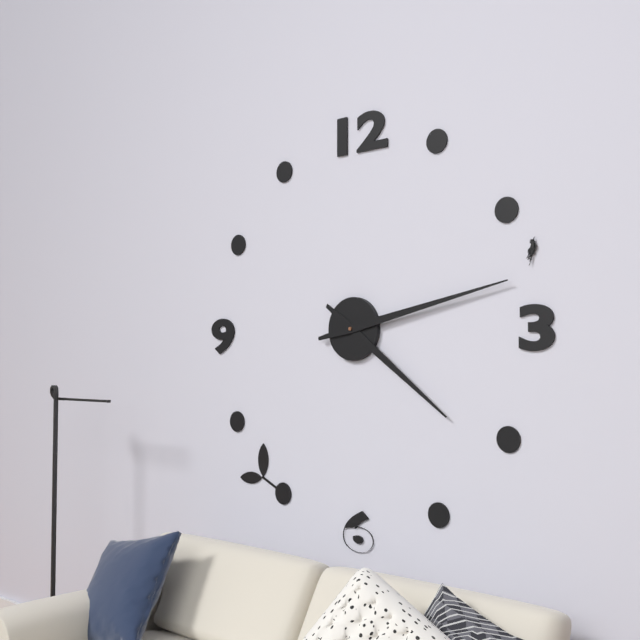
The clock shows 4:13
